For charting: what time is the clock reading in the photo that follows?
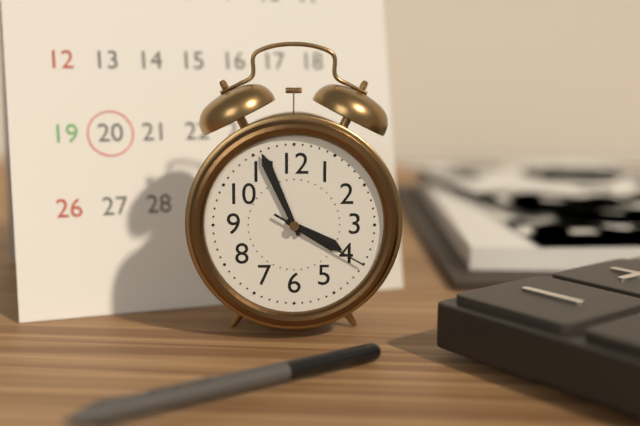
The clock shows 3:56:20
